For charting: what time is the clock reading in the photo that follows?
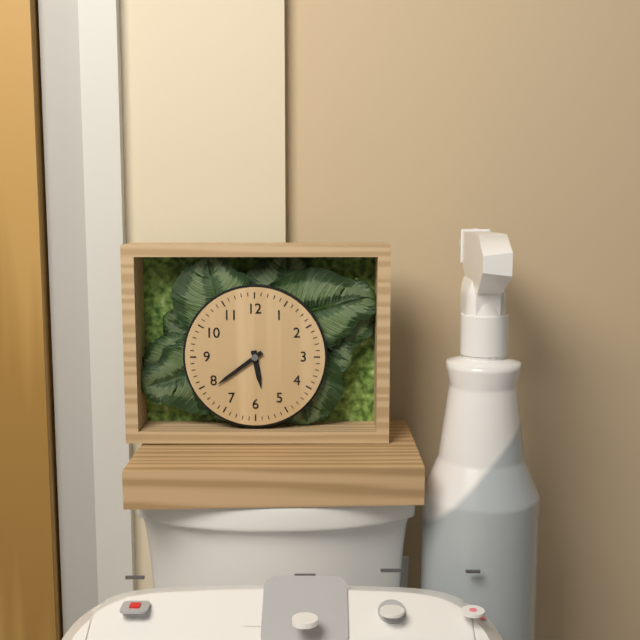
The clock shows 5:39
